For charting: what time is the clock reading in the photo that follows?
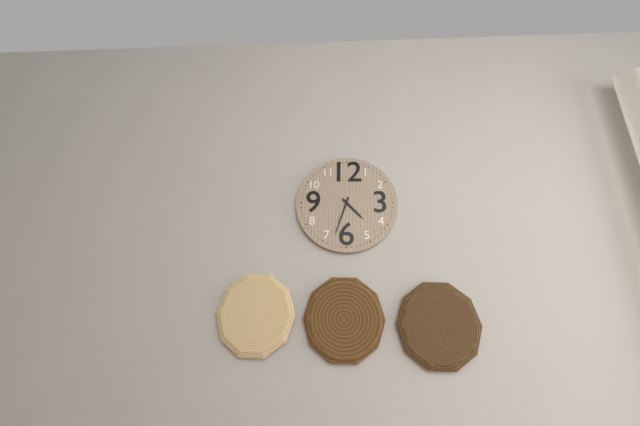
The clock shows 4:33
